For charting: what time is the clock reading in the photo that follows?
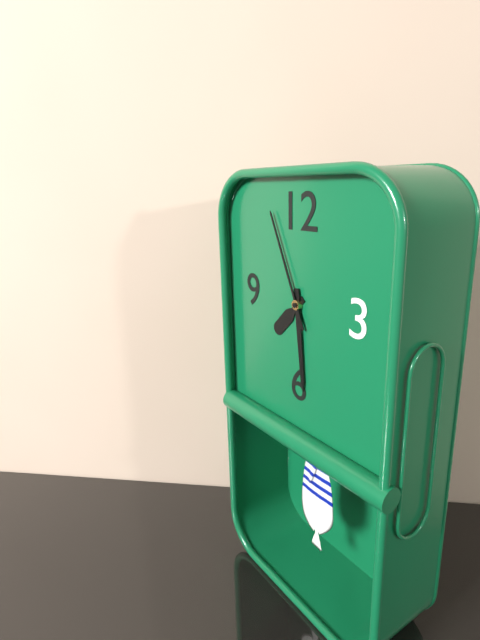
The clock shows 7:29:56
